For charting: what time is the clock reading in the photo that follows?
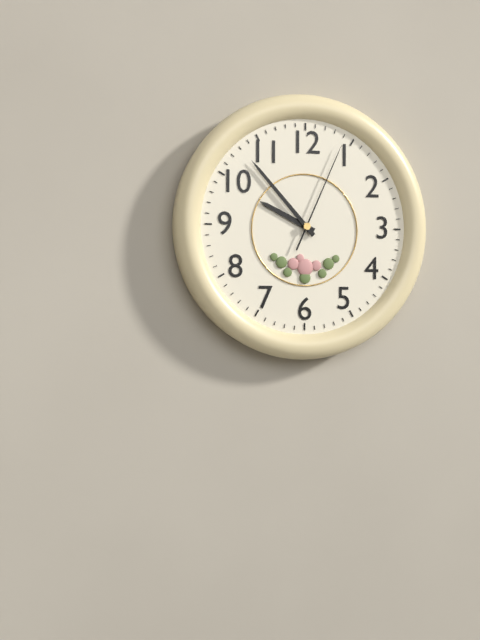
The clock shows 9:53:04
